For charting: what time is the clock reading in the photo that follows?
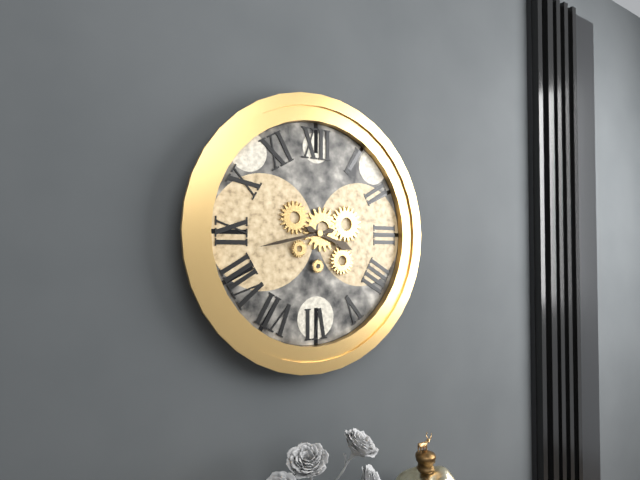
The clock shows 3:43
